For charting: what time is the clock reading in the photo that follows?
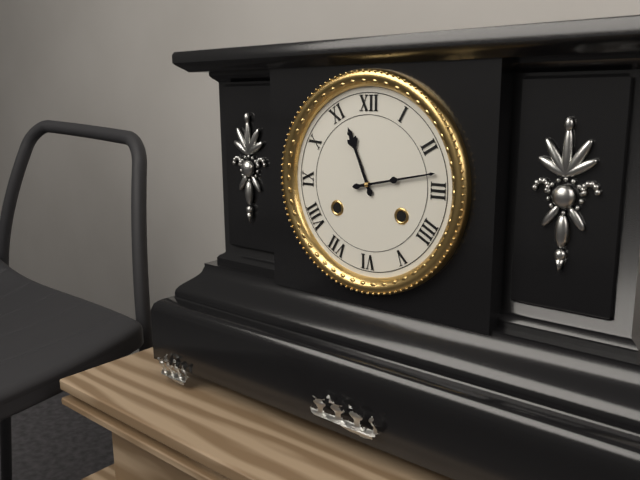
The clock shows 11:13
